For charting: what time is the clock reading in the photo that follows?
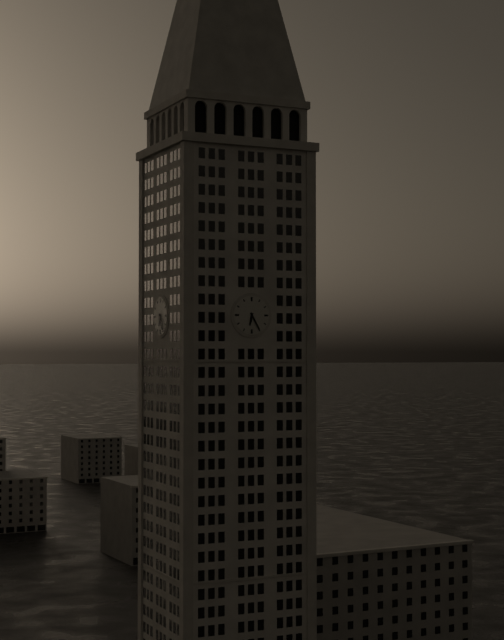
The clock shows 6:25
